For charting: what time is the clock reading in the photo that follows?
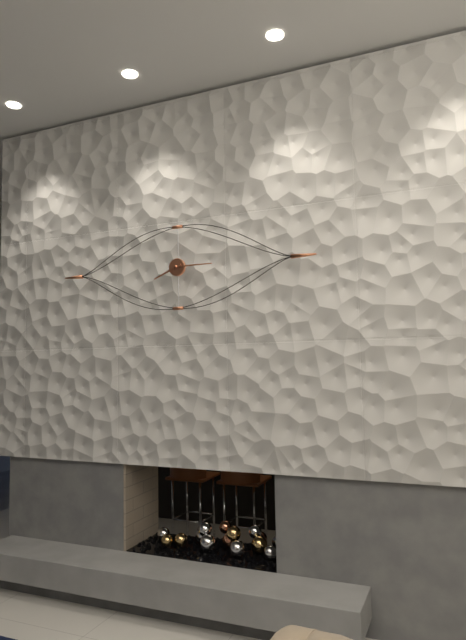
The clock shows 8:15
